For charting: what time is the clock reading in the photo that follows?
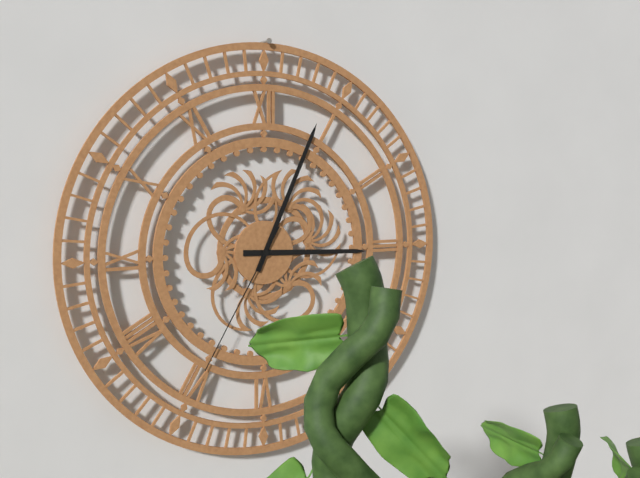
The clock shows 3:04:35
